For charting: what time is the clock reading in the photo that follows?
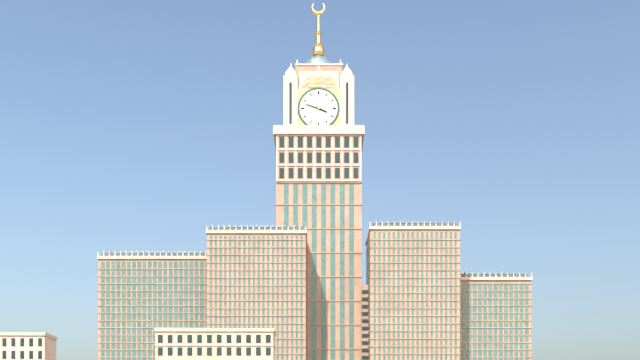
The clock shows 3:48
